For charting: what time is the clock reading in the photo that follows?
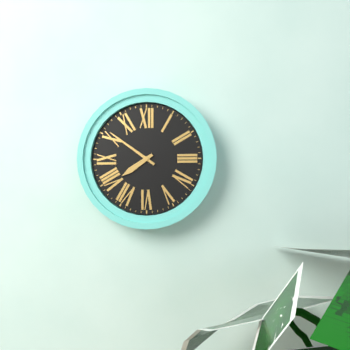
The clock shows 7:51
